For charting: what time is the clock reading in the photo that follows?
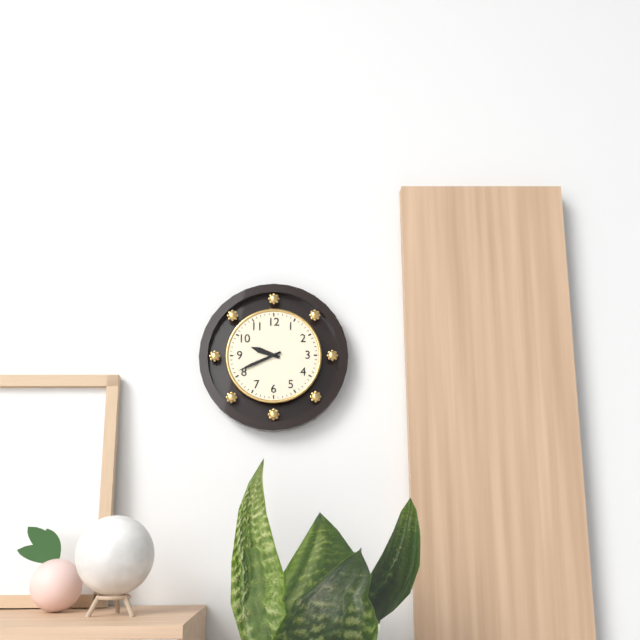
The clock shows 9:41
